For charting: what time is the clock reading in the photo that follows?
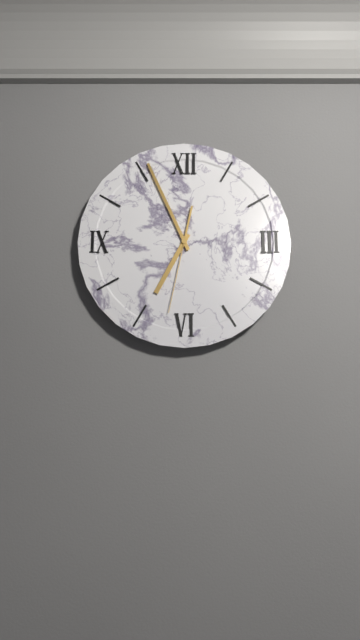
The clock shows 6:56:32
